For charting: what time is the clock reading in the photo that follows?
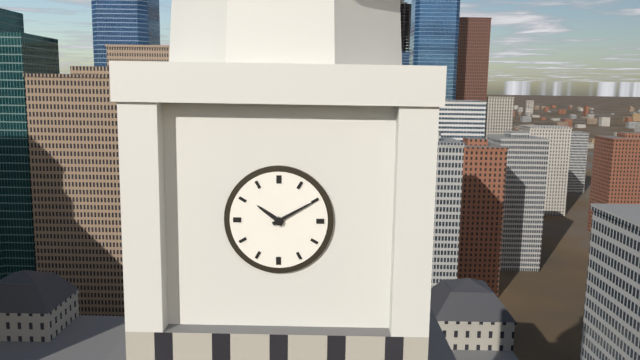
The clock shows 10:10
